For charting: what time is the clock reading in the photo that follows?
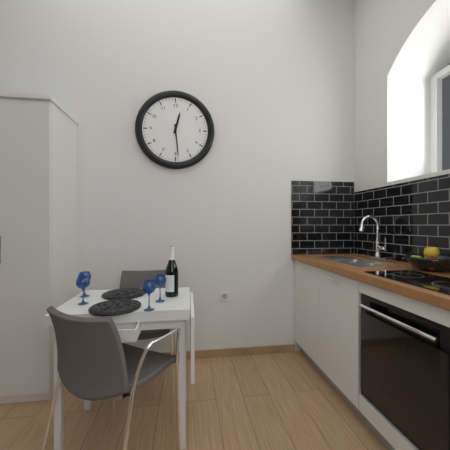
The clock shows 12:29
